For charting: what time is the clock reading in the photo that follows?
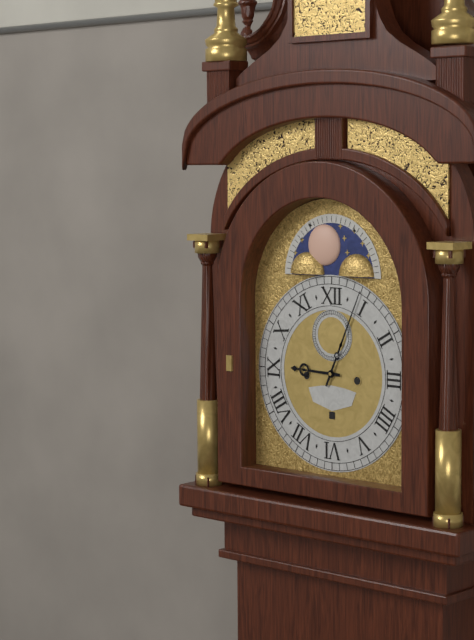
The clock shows 9:04
